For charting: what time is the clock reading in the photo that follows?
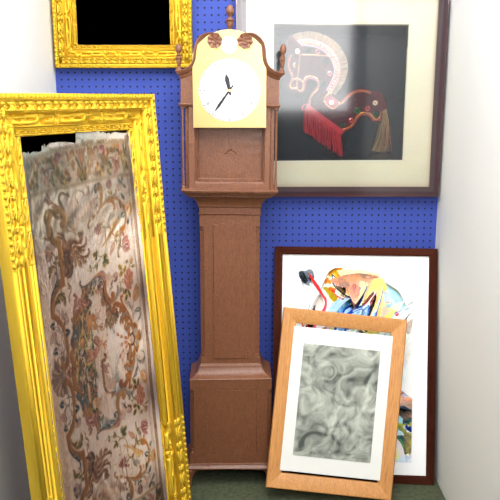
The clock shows 11:36
